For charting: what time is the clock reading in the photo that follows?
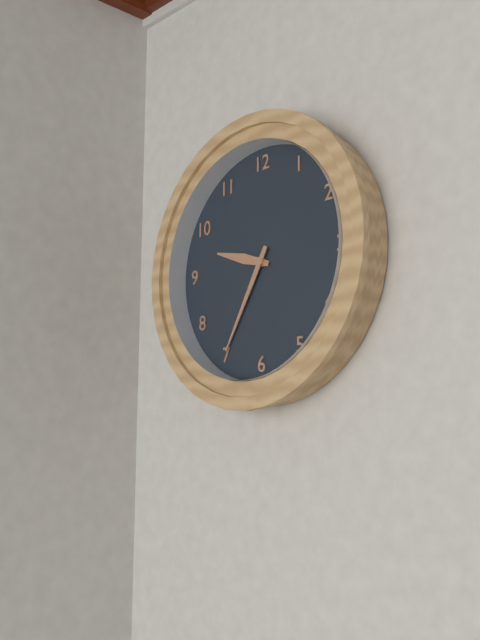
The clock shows 9:35
